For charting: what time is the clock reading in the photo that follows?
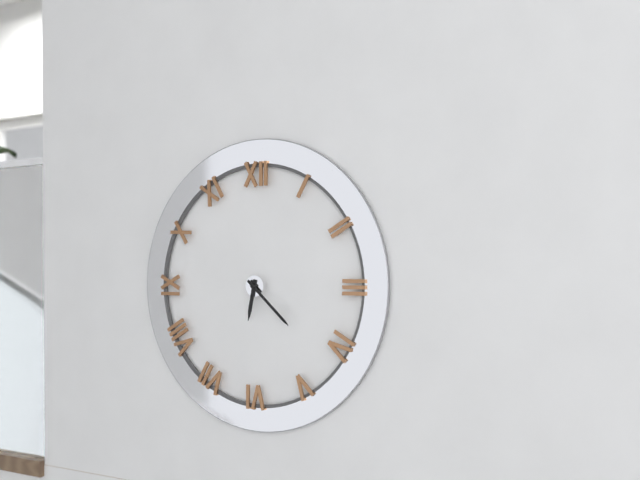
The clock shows 6:22
